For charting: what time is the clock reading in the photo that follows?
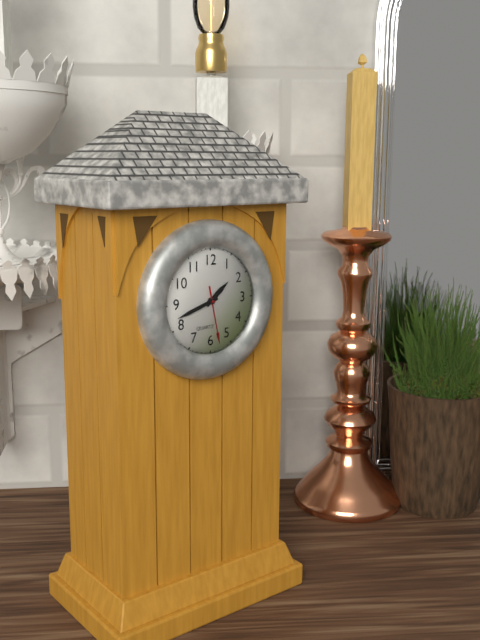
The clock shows 1:42:28
